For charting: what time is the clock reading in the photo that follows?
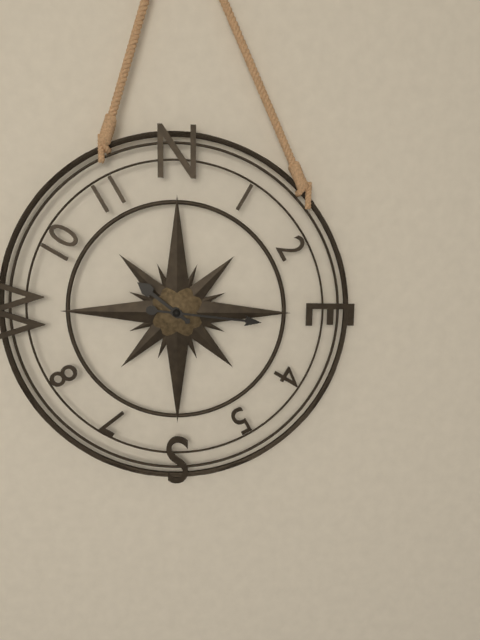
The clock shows 10:16
